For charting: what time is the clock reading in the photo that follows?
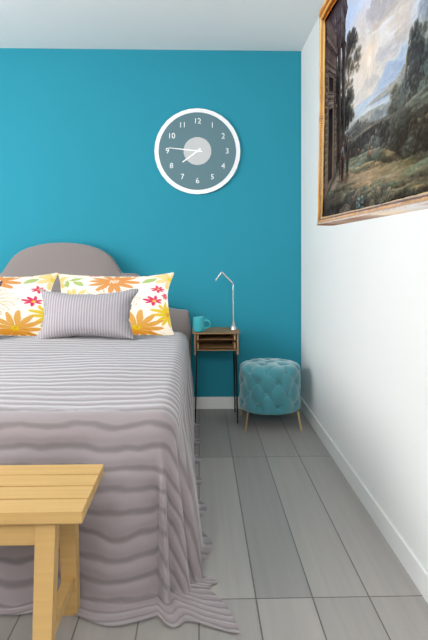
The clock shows 7:46
